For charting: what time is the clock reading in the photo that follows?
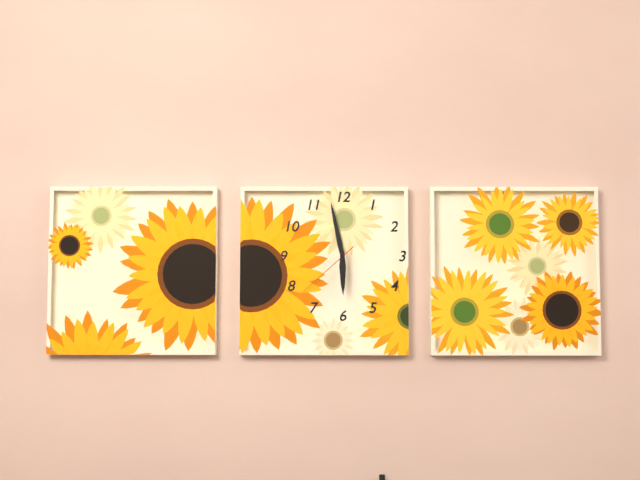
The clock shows 5:58:38
